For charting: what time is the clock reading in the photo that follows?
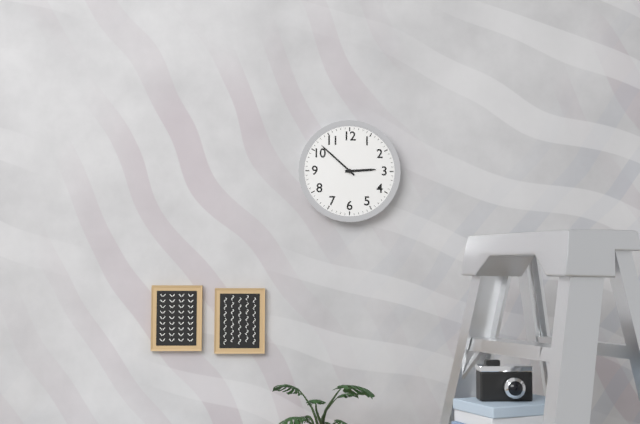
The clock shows 2:52
